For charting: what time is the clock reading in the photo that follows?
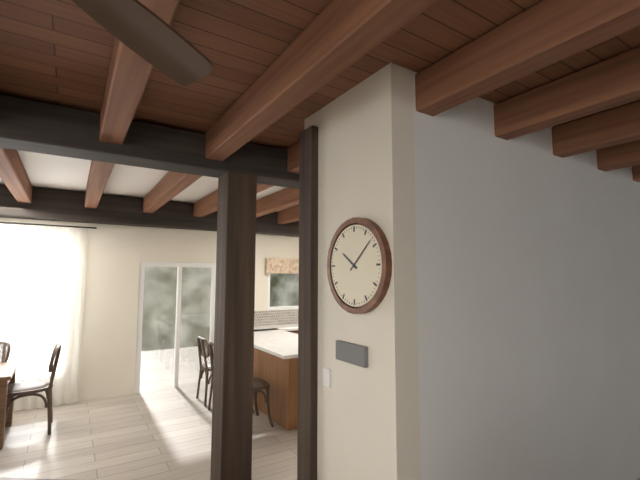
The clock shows 10:08
